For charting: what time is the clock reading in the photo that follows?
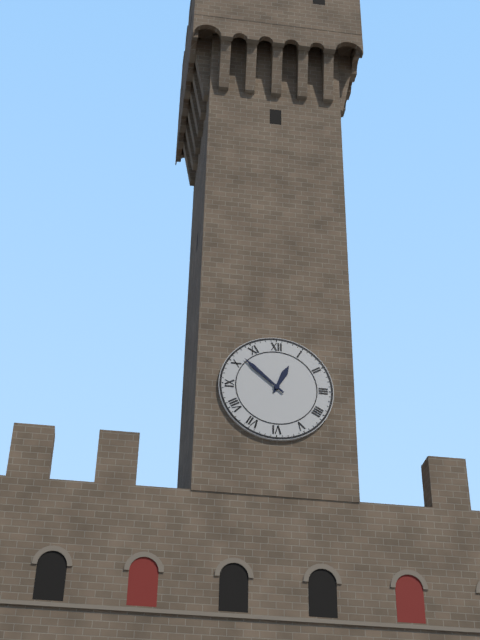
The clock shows 12:52
